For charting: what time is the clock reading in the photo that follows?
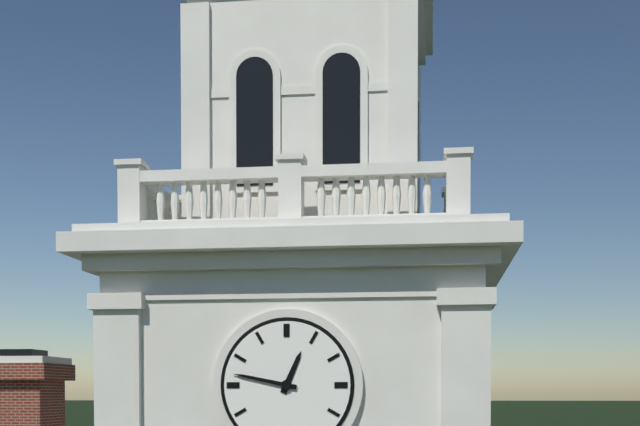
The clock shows 12:47
